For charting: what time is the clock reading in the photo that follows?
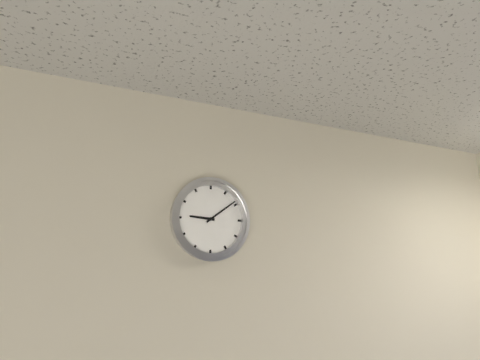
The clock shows 9:09
